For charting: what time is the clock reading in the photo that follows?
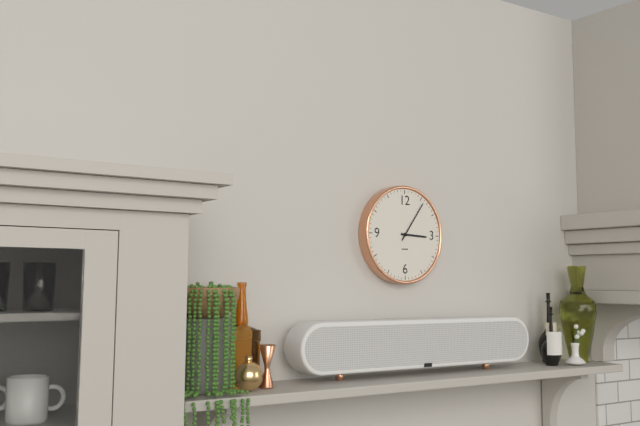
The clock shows 3:06
